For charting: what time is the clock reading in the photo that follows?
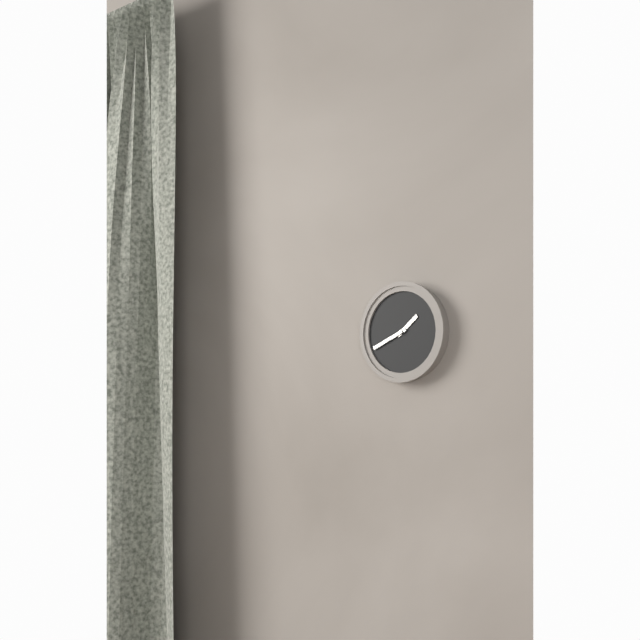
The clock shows 1:41
